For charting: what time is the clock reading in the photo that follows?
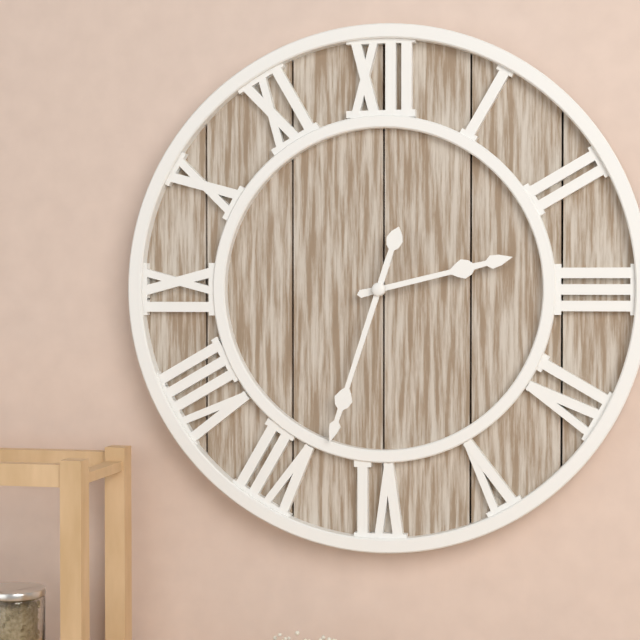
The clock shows 2:33
